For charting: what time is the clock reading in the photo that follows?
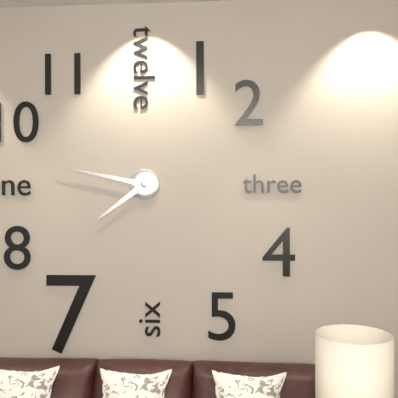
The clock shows 7:47
